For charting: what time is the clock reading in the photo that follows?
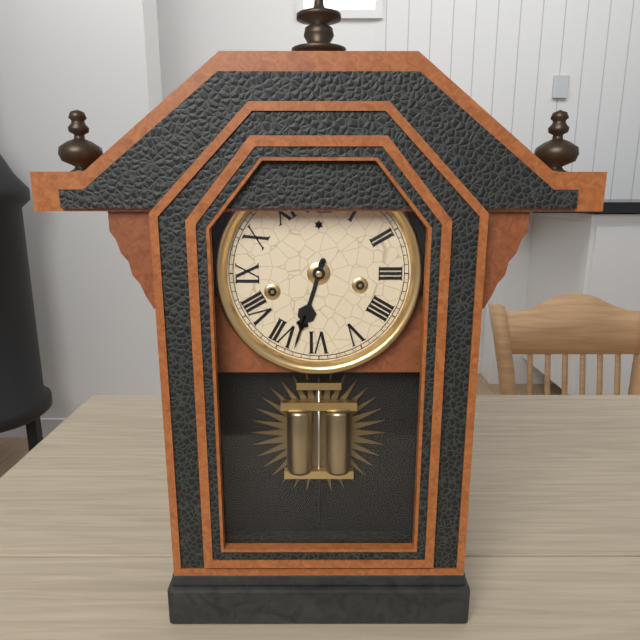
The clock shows 6:33
